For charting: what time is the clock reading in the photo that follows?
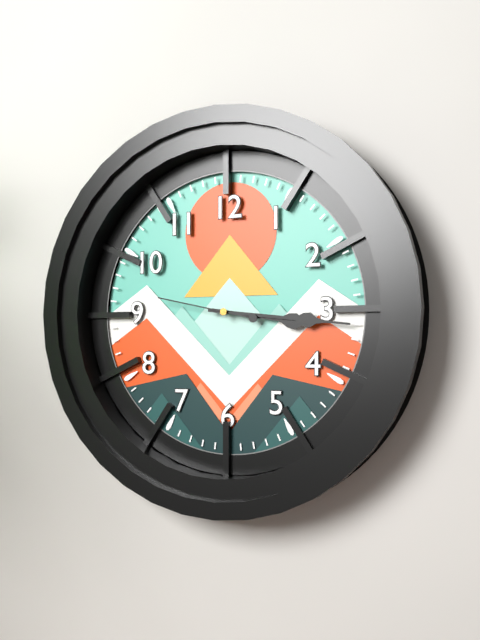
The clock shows 3:16:47
